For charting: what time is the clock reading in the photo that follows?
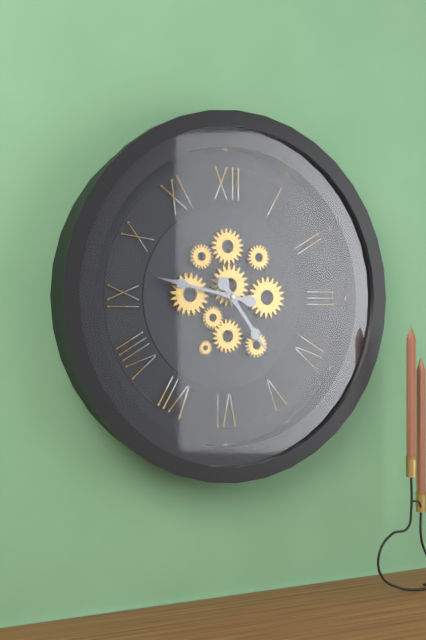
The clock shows 4:47
